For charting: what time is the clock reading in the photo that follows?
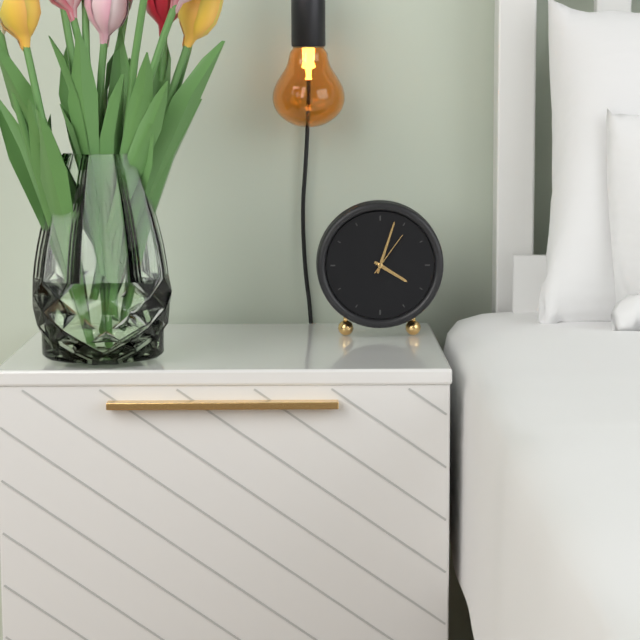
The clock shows 4:03
